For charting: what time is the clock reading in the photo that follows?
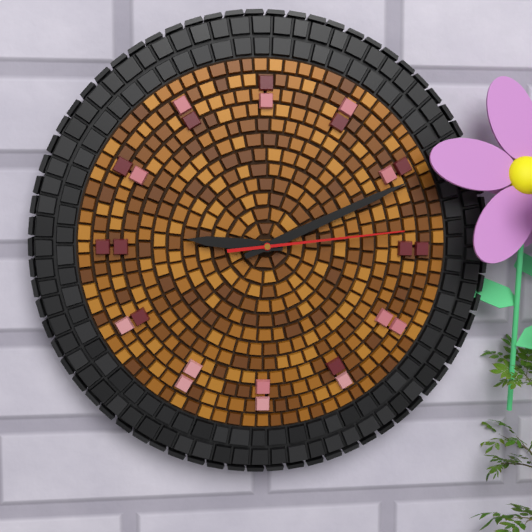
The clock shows 9:11:14
